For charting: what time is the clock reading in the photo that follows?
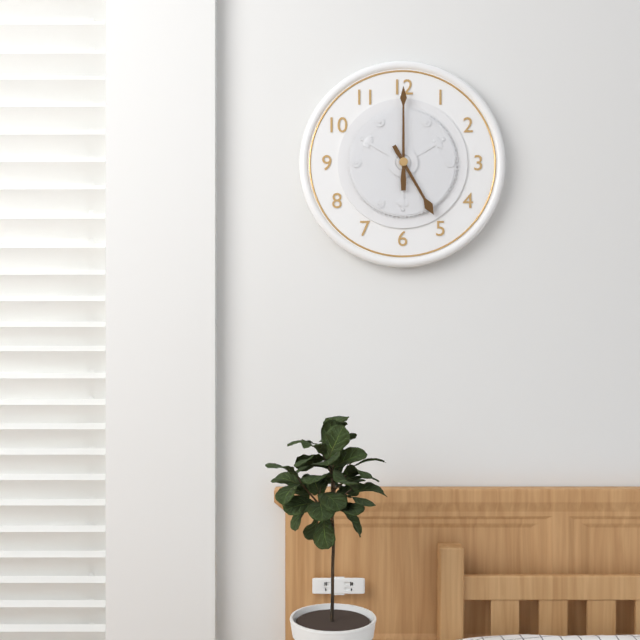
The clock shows 5:00
